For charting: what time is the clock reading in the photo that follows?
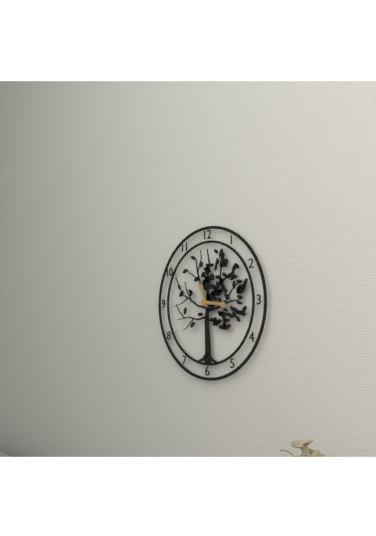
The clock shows 11:16
